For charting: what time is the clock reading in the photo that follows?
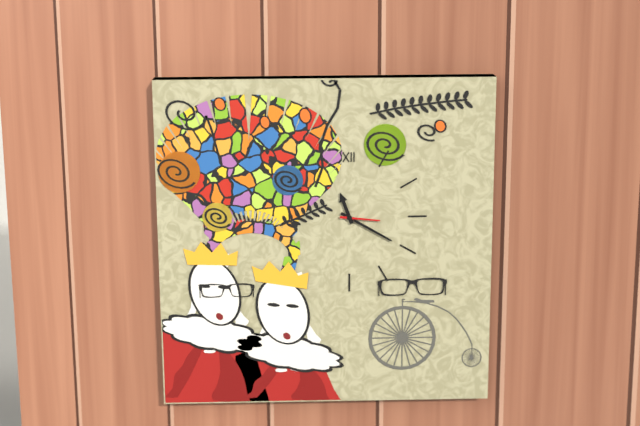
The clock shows 11:20
